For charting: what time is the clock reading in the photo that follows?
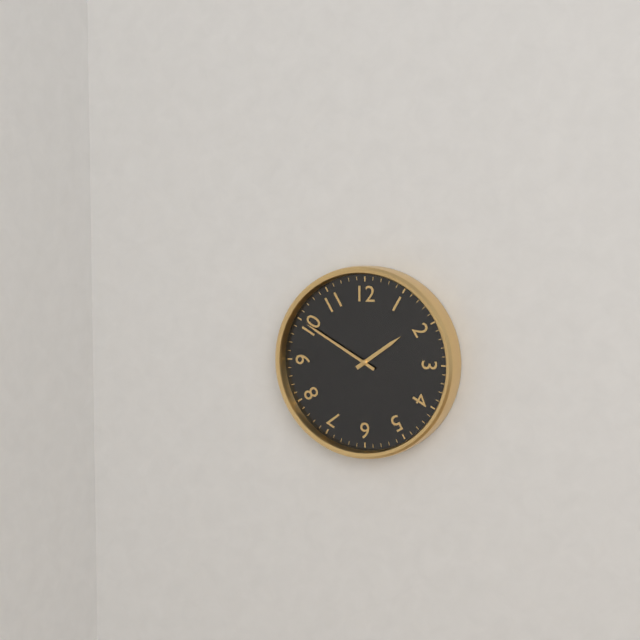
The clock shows 1:50
